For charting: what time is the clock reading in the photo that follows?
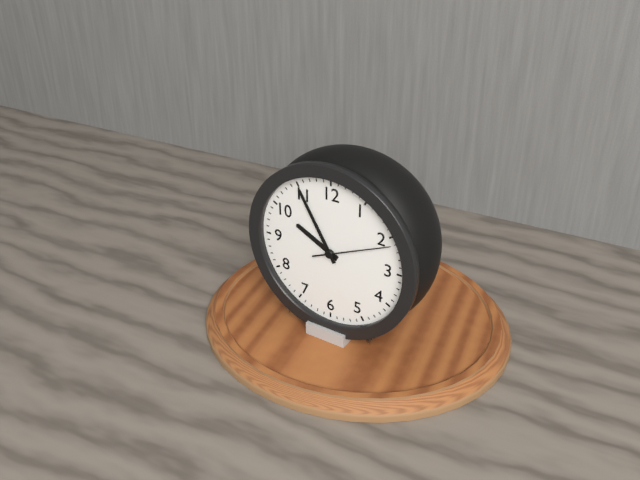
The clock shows 9:55:11
